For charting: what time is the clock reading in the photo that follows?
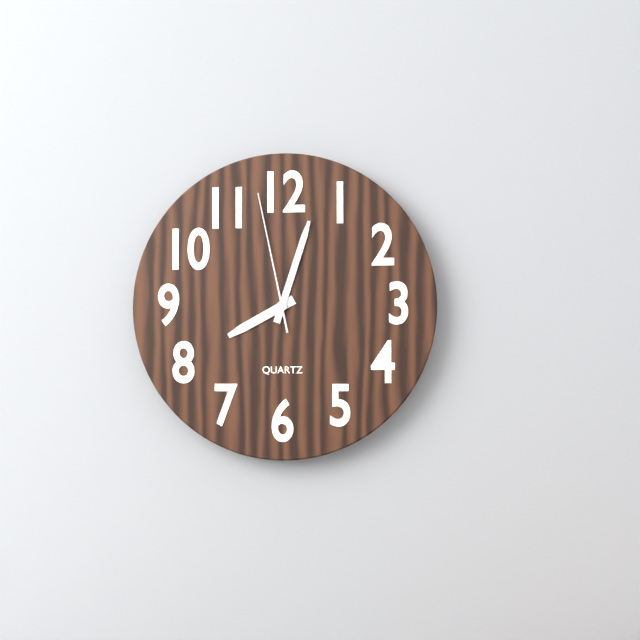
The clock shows 8:03:58
